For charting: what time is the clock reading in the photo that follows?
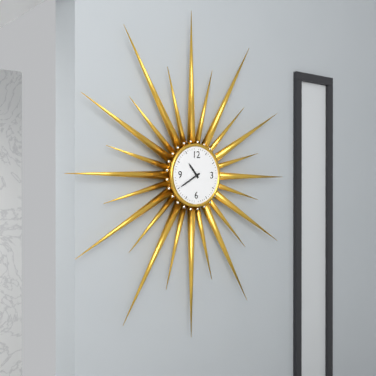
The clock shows 10:40
